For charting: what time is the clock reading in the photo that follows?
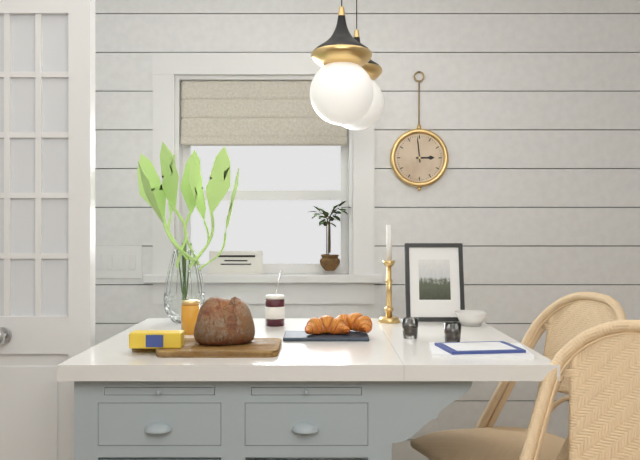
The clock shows 2:59
